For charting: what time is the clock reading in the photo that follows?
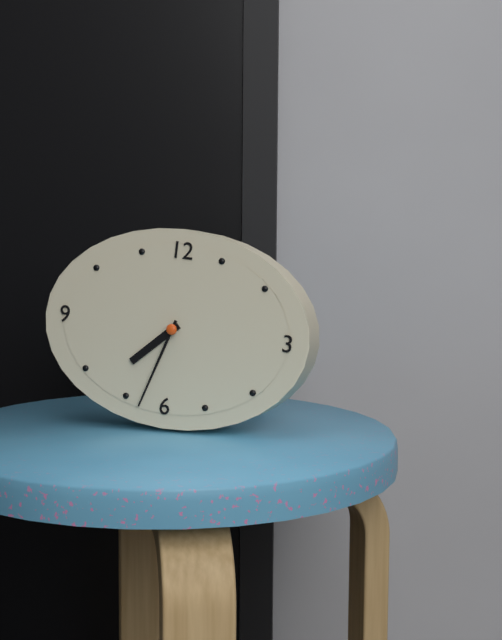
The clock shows 7:33
